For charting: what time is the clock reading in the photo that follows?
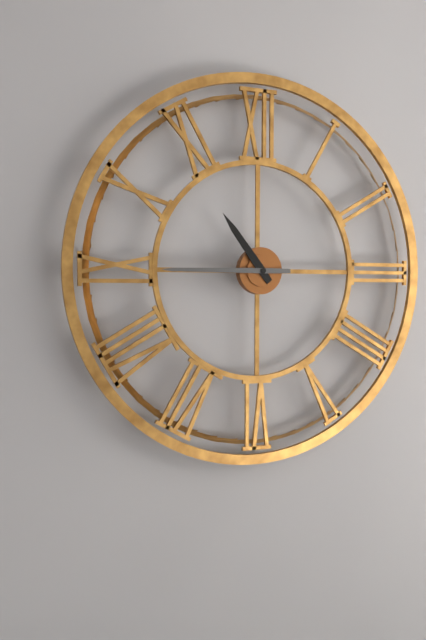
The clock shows 10:45
